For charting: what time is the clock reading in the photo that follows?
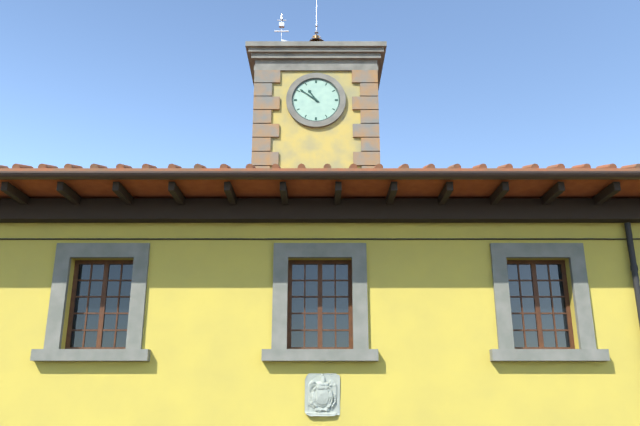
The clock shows 10:51
